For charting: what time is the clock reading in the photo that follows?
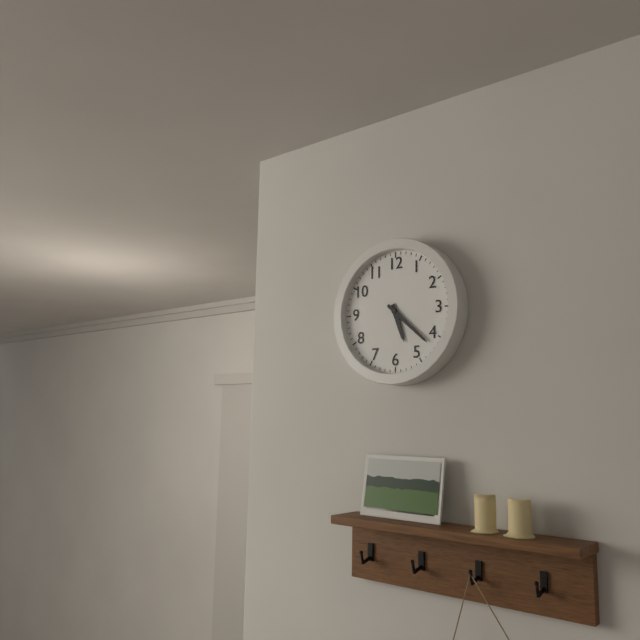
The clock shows 5:22
